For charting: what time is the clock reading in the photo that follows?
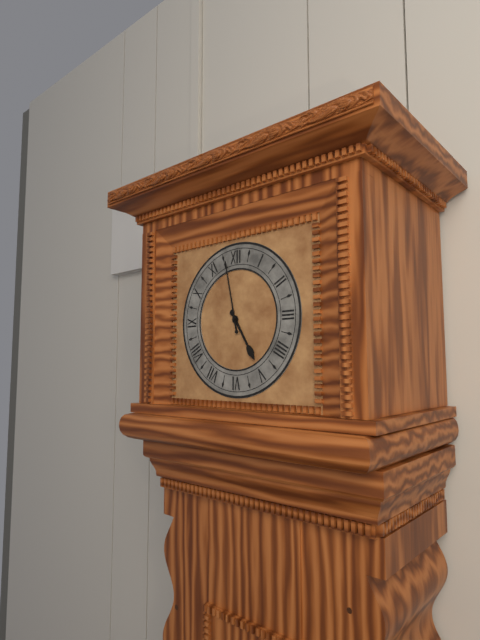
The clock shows 4:58
